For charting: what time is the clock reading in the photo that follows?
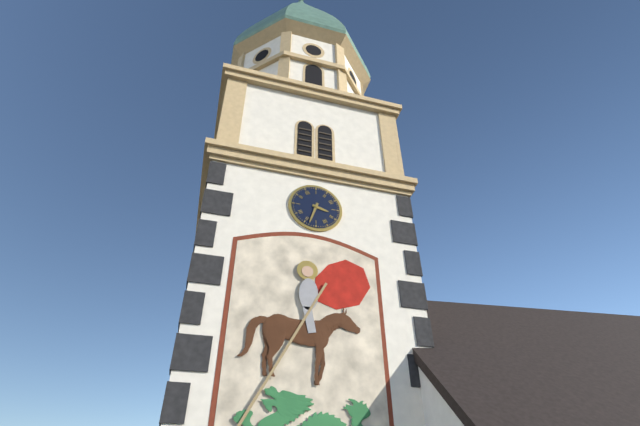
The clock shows 3:33
